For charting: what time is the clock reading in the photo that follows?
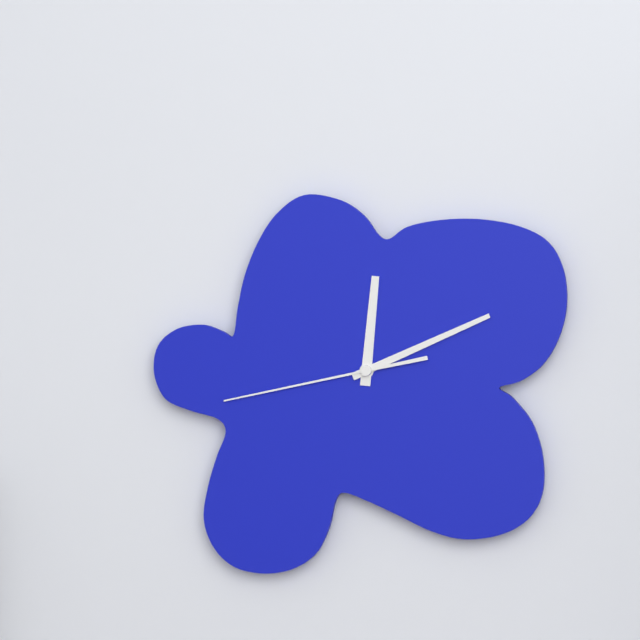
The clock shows 12:11:43
